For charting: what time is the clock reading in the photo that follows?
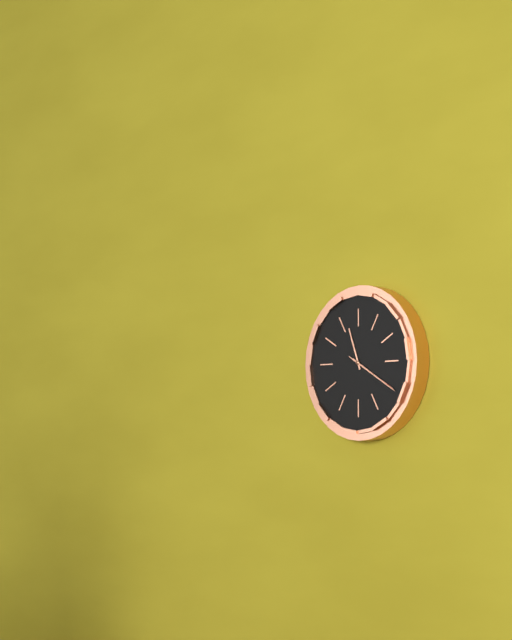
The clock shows 11:20:20
